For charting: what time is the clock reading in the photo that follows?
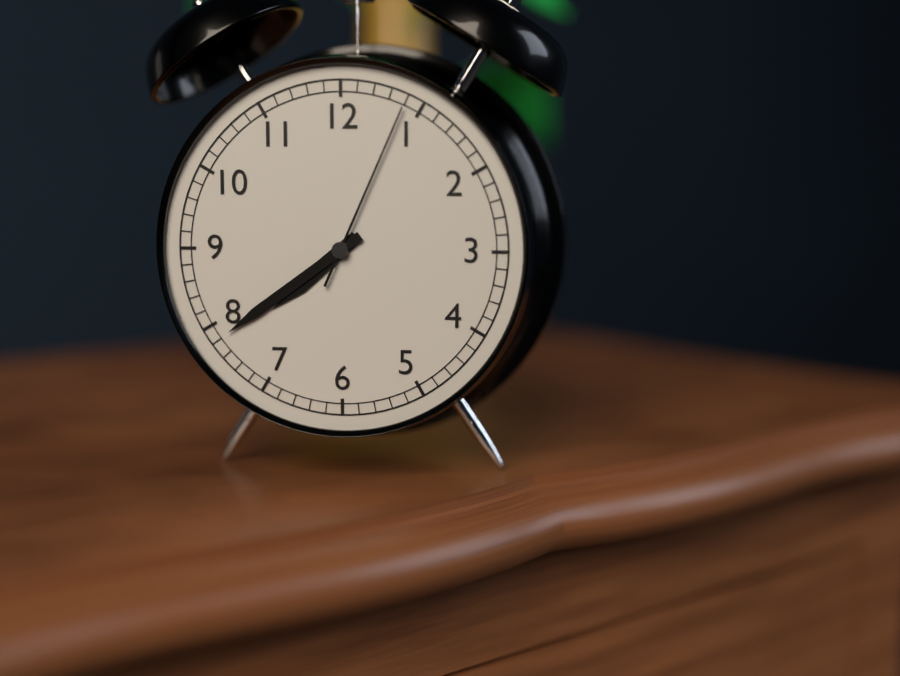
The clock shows 7:39:04
